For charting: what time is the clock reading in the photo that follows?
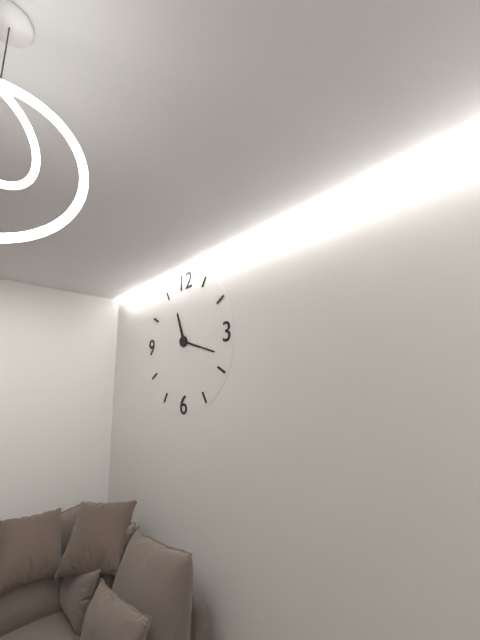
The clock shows 11:18
